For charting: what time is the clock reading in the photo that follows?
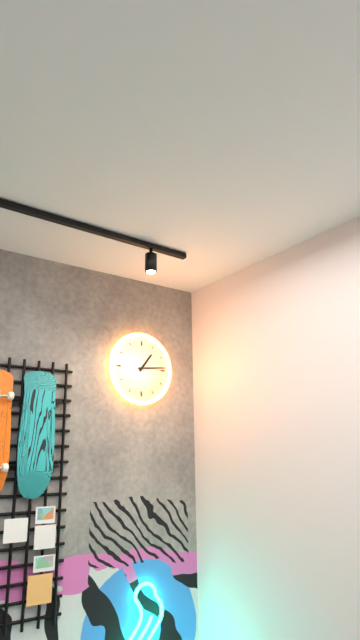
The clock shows 1:14
